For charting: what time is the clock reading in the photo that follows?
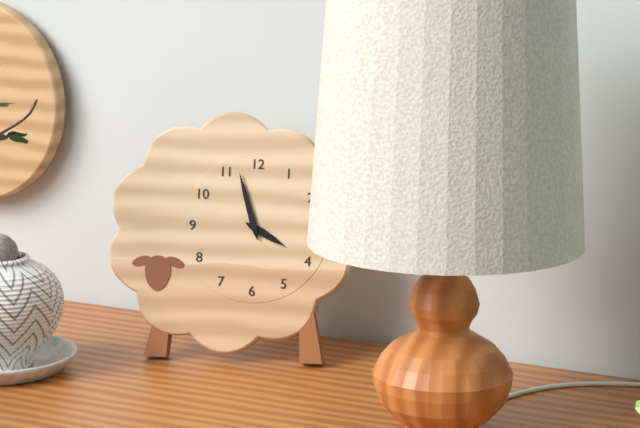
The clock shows 3:57
